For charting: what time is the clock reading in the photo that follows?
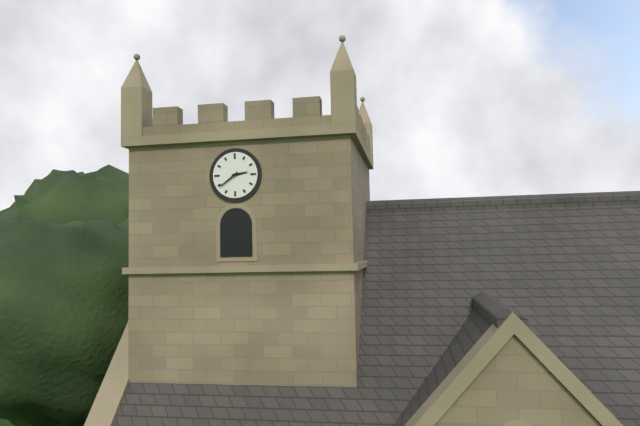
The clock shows 2:39
